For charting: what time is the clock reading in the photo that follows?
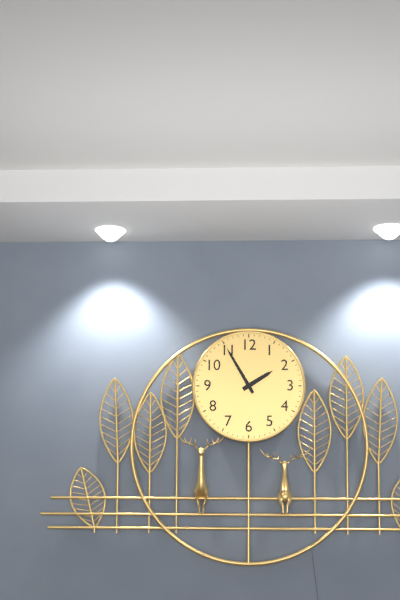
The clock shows 1:55
